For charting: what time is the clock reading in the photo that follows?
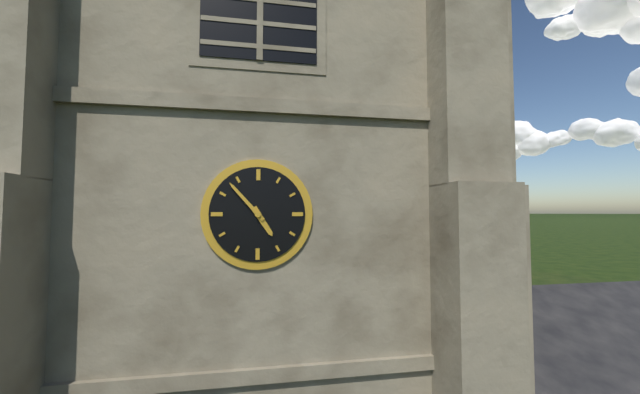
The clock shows 4:53
